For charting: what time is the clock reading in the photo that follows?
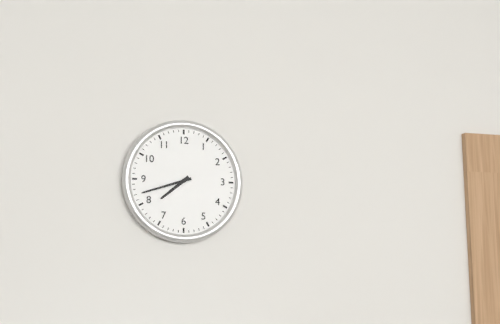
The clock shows 7:42
